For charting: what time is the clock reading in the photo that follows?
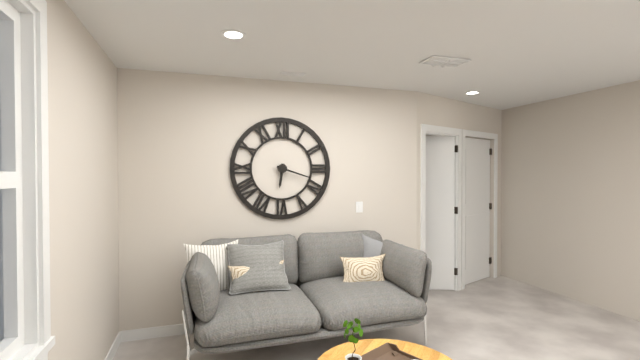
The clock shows 6:18
